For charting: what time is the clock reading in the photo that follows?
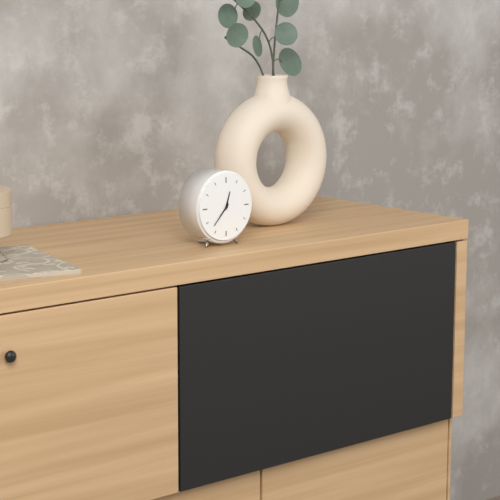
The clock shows 12:37
